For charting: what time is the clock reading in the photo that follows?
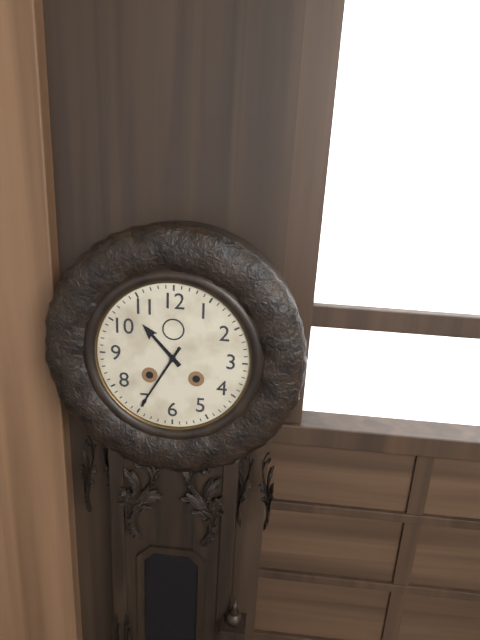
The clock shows 10:35
